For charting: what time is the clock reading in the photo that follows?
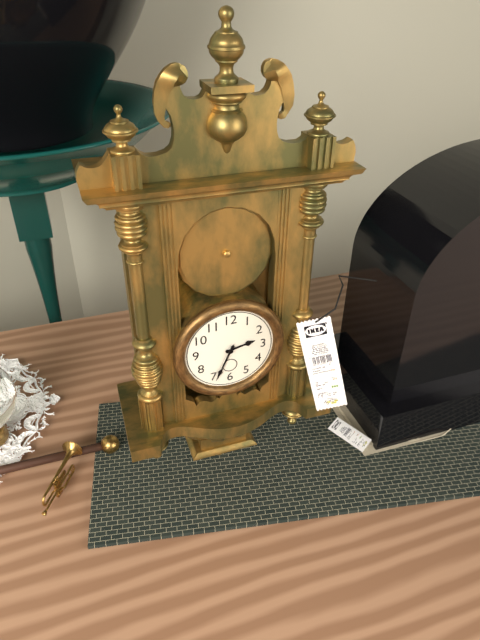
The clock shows 2:34
